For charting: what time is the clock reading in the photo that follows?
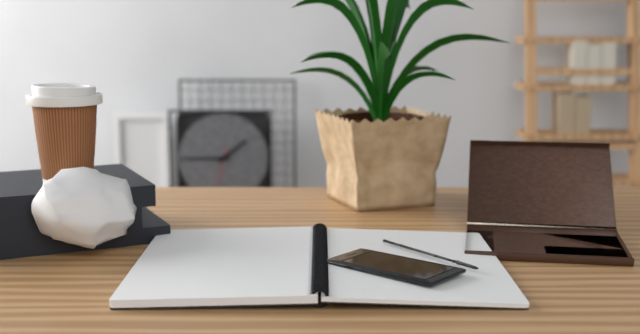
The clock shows 1:45:32
